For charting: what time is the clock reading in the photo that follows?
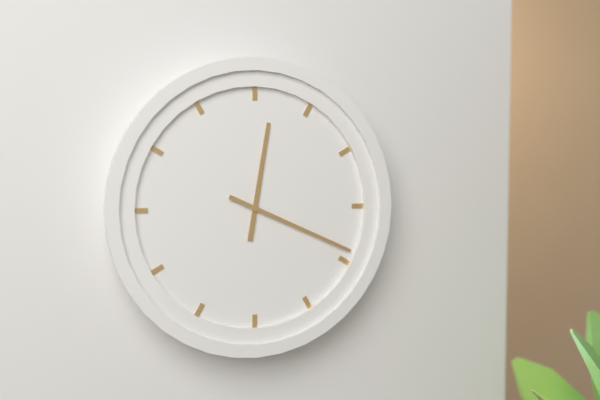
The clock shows 12:19
